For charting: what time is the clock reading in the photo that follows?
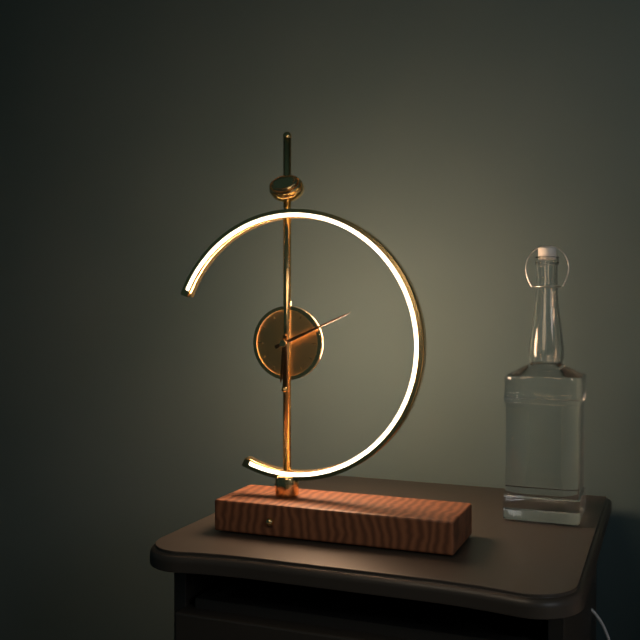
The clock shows 6:11
